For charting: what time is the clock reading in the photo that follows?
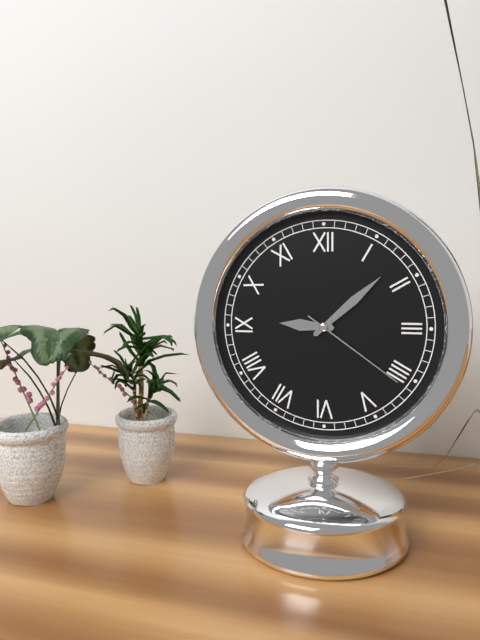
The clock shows 9:08:21
